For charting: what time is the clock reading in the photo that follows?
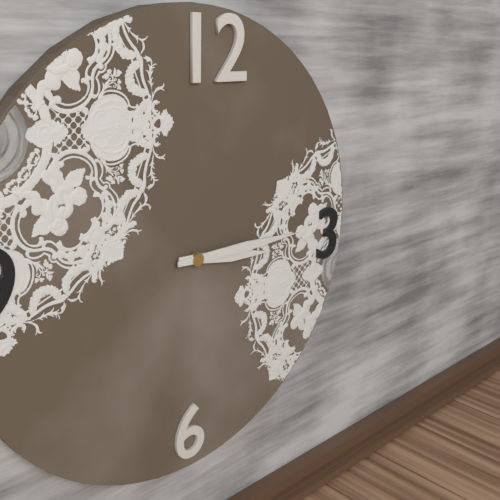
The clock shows 3:15
